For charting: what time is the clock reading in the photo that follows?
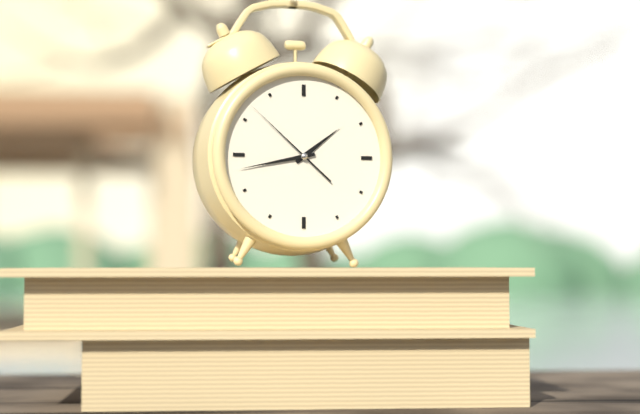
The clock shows 1:43:52
